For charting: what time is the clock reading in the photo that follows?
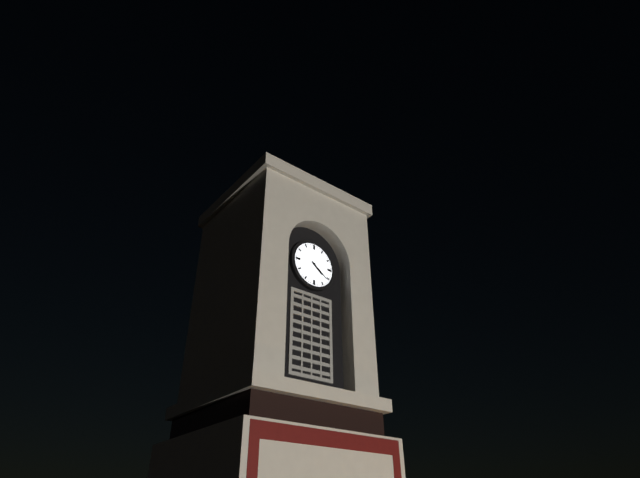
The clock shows 4:21
